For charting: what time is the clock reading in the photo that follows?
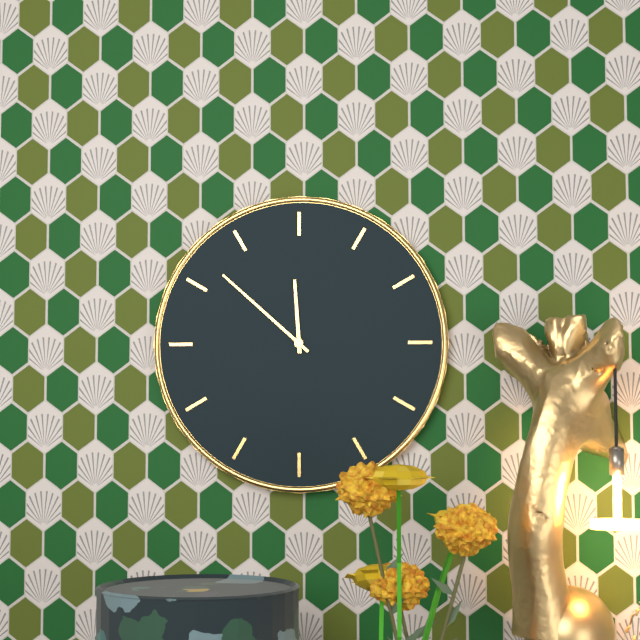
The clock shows 11:52
